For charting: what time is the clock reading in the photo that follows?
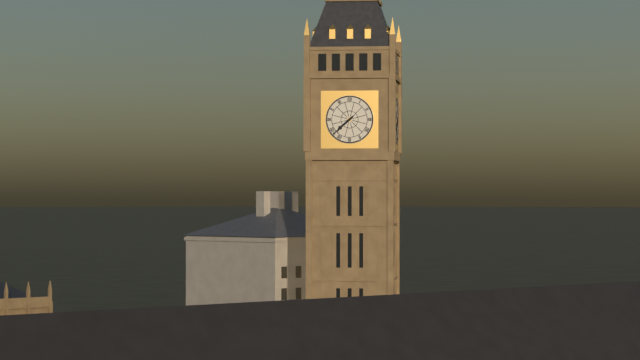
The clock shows 7:38
